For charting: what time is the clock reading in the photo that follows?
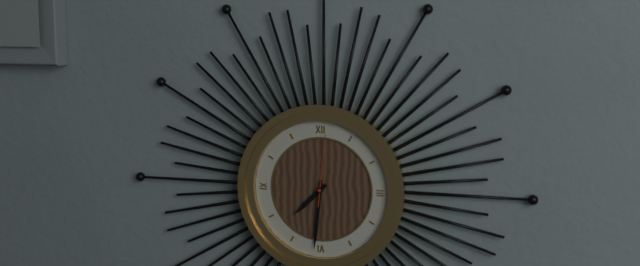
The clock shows 7:31:01
